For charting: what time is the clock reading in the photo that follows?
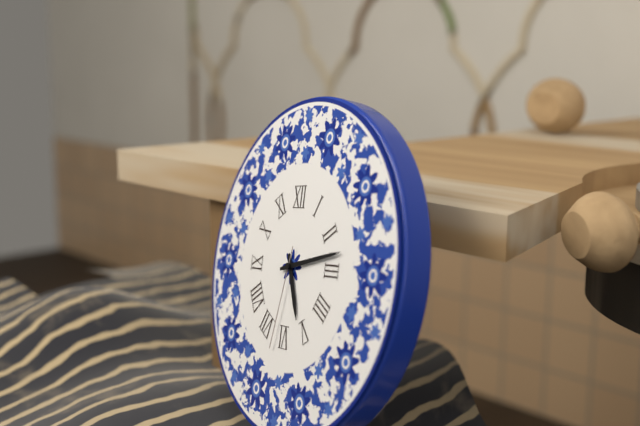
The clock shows 5:13:32
